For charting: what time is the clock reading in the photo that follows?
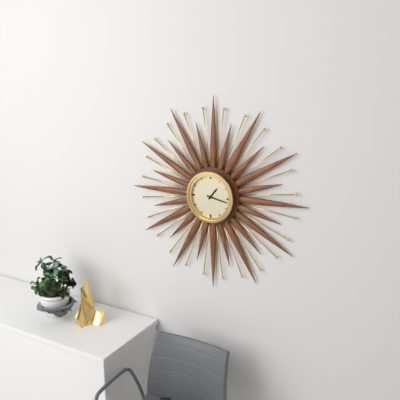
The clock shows 1:17
